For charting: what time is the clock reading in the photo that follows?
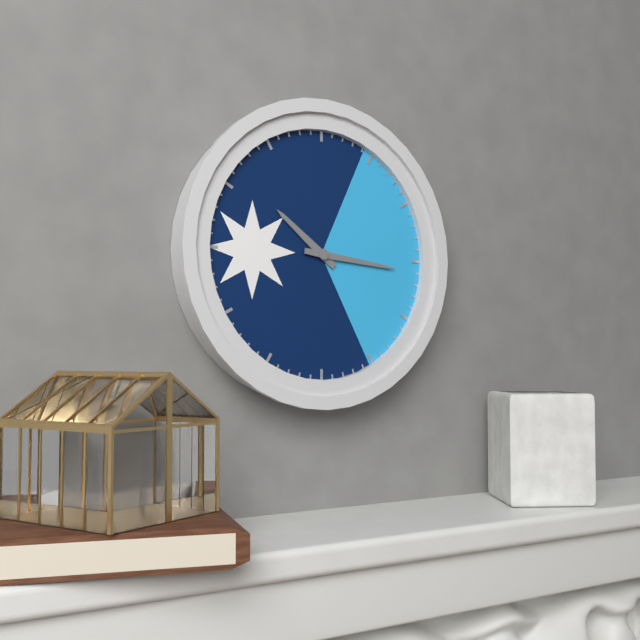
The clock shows 10:16
